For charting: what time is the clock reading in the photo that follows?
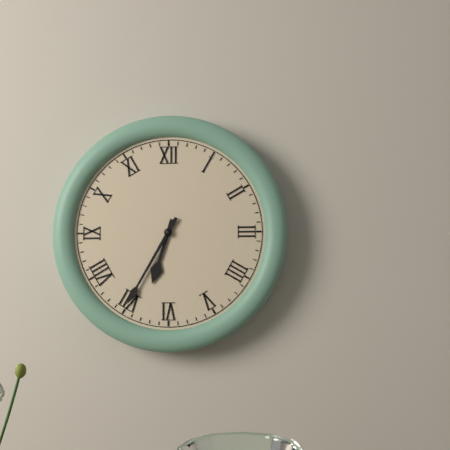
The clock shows 6:35
